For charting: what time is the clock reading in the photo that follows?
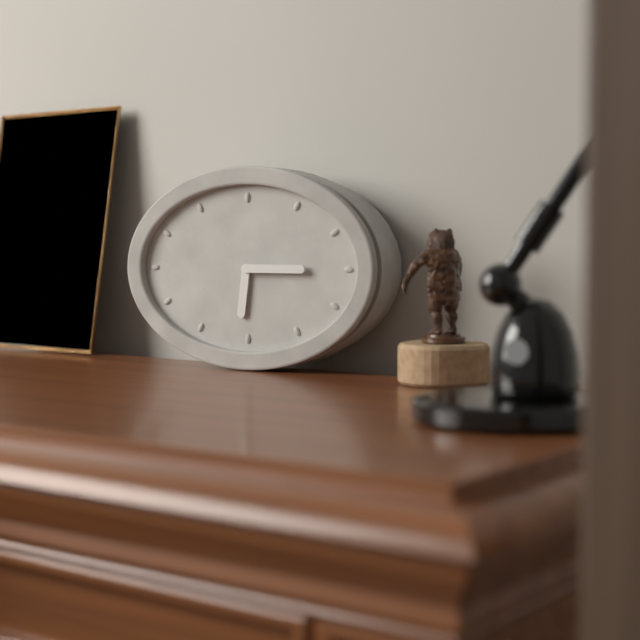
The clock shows 6:15
